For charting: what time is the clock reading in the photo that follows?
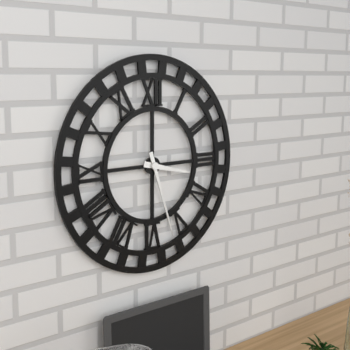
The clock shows 3:27
